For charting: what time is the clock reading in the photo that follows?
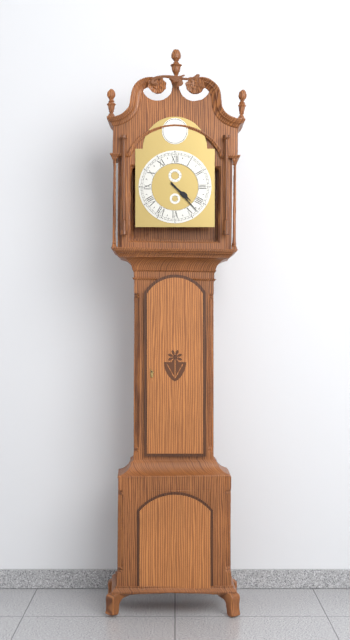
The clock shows 4:23
